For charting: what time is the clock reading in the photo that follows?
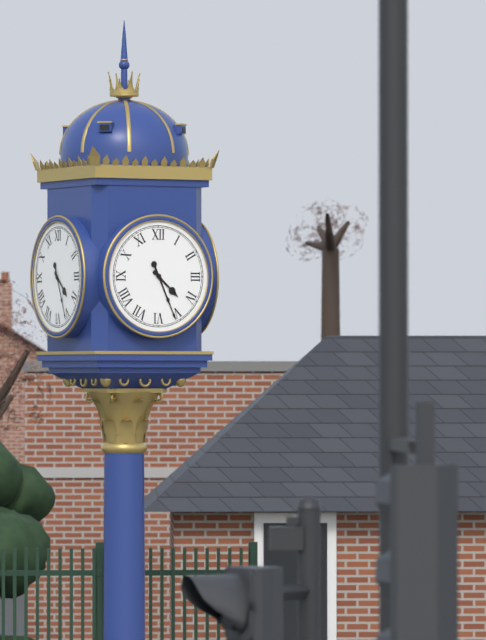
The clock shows 4:26
